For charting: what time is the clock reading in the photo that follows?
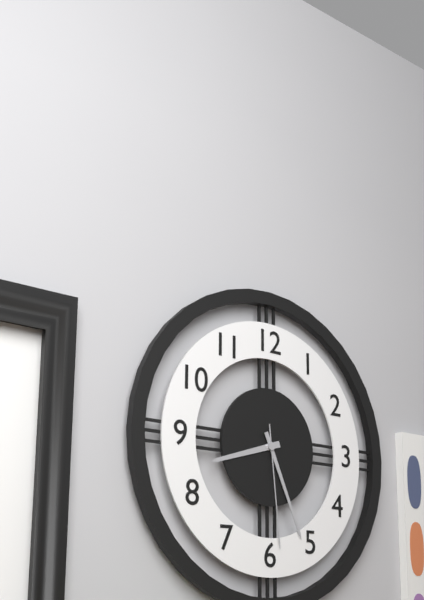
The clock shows 8:26:29
